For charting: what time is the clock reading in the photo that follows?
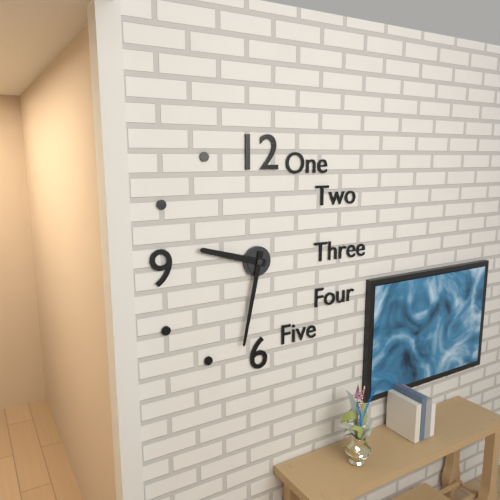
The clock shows 9:32
